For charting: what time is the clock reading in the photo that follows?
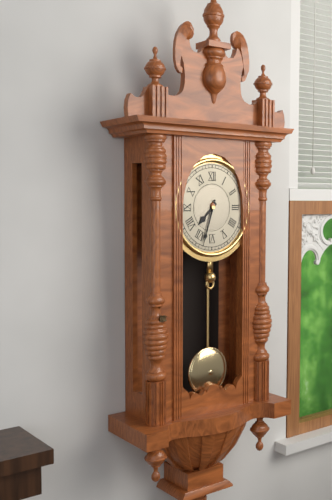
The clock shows 7:33
